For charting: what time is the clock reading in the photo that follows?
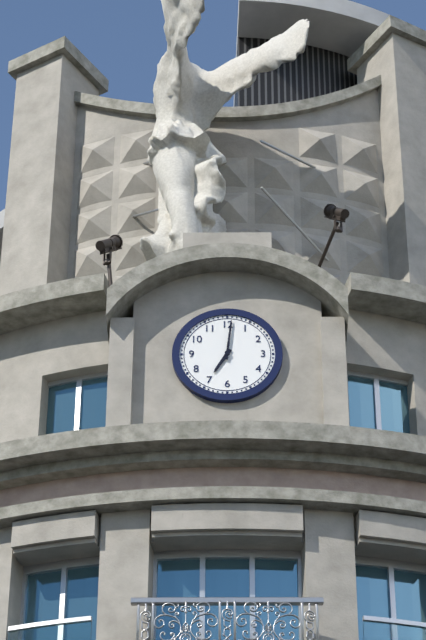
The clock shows 7:01
